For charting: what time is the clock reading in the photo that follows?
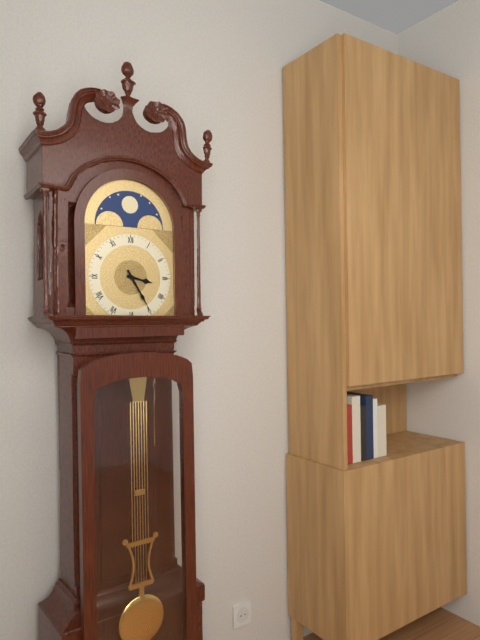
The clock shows 3:25
